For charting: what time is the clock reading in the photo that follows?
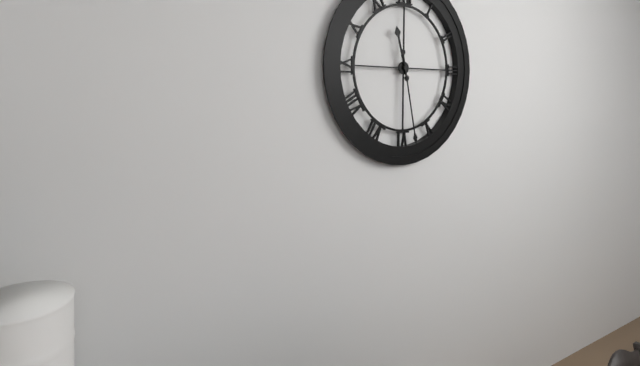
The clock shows 11:28
